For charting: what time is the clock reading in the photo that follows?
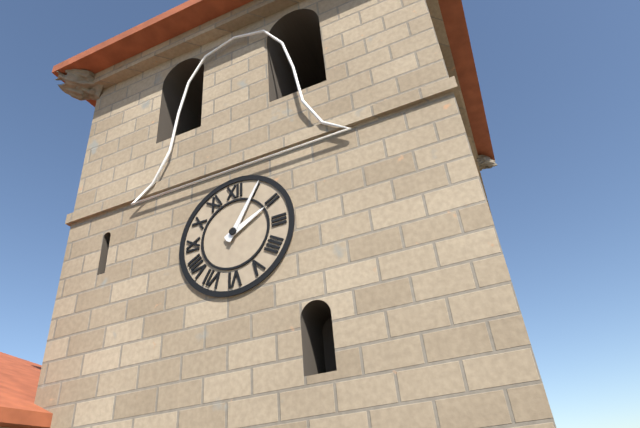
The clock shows 2:05
